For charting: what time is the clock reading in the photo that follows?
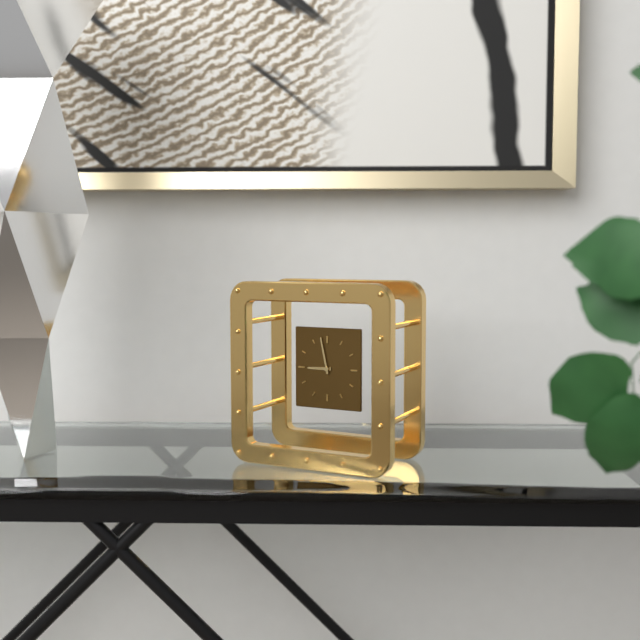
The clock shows 8:58
